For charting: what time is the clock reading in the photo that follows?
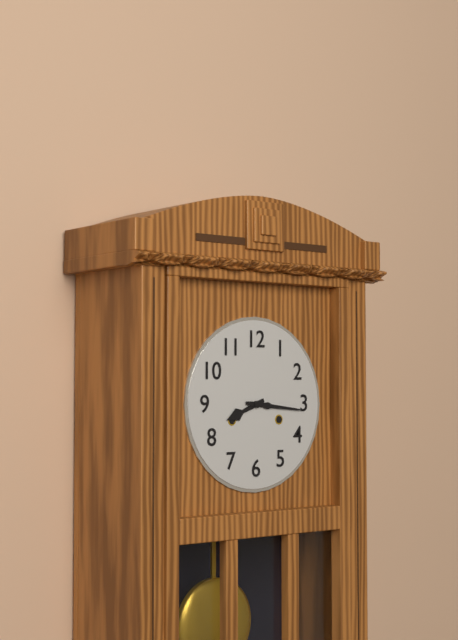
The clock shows 8:16
